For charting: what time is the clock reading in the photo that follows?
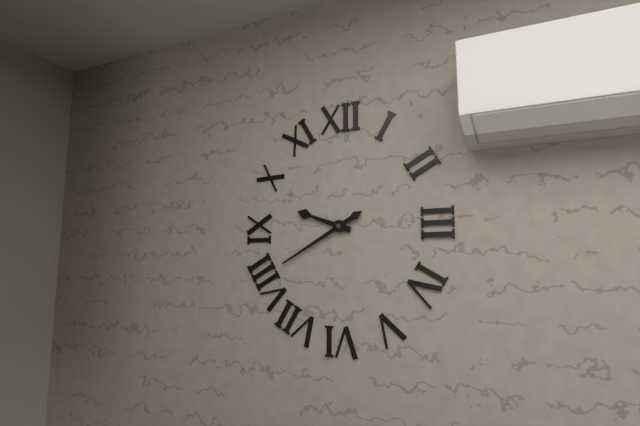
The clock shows 9:40
